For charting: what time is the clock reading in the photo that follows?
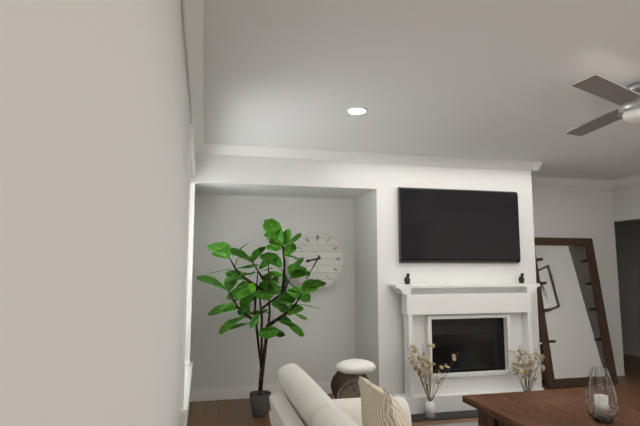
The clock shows 8:35
